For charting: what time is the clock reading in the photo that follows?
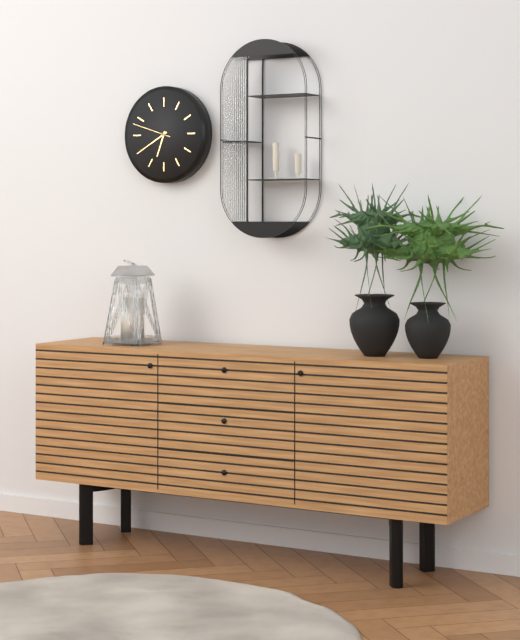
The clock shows 6:40
